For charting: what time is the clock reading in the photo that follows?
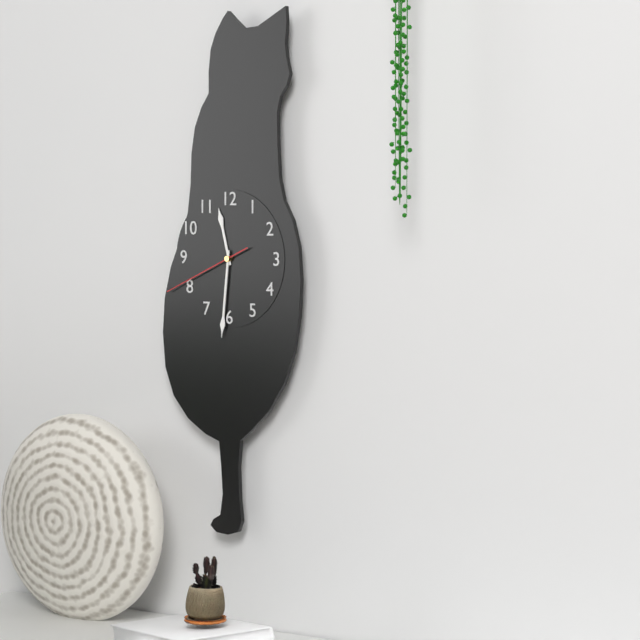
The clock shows 11:31:41
